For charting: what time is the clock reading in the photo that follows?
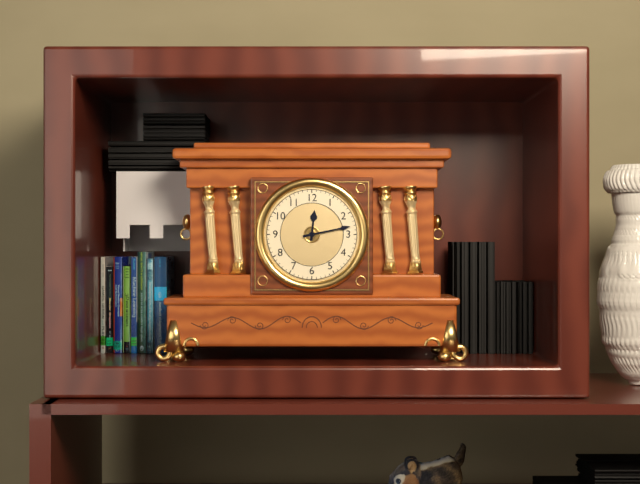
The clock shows 12:13
